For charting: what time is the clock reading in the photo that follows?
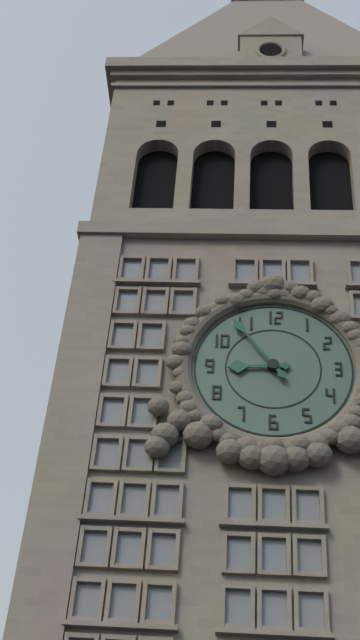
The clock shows 8:54
